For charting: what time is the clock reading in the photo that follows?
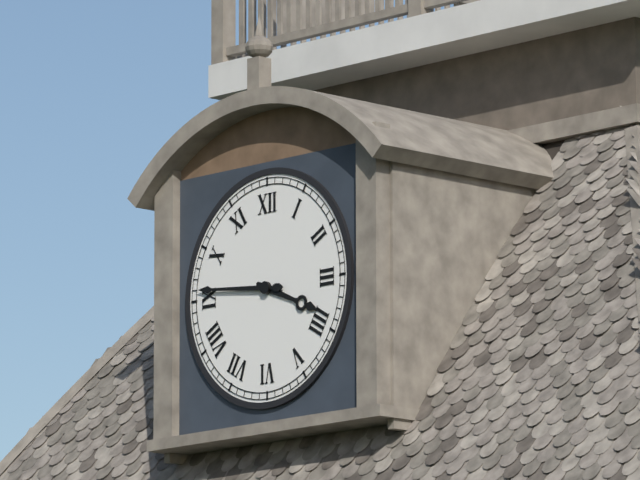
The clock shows 3:46
